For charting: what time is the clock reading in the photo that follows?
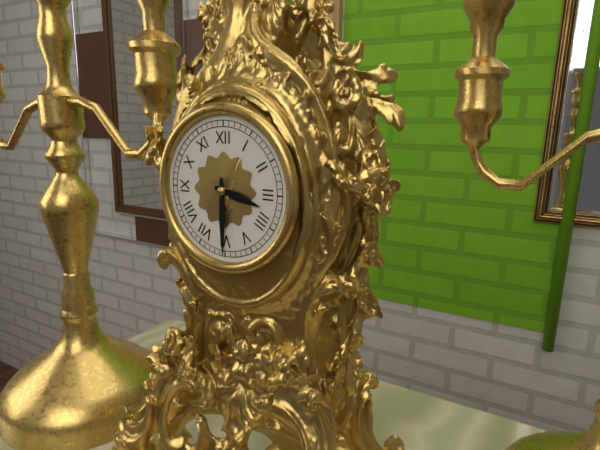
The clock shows 3:30
